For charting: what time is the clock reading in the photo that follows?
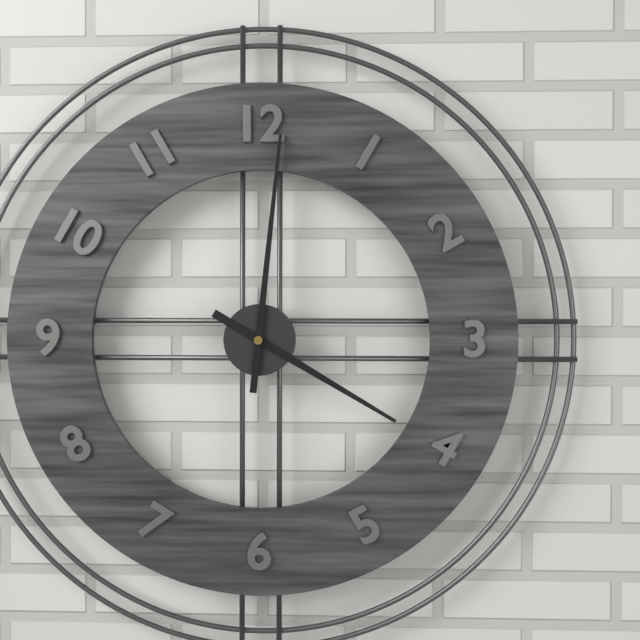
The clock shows 4:01
